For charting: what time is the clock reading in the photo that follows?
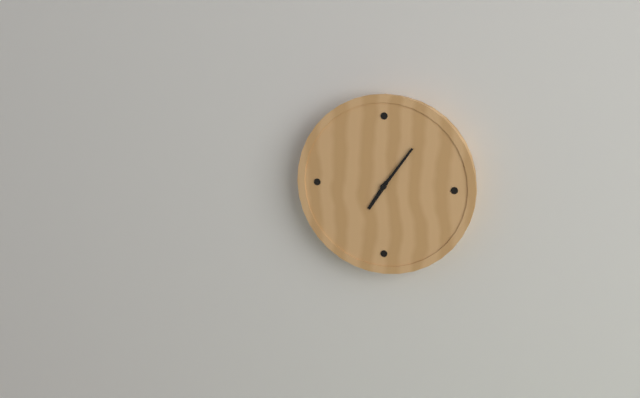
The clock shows 7:06
